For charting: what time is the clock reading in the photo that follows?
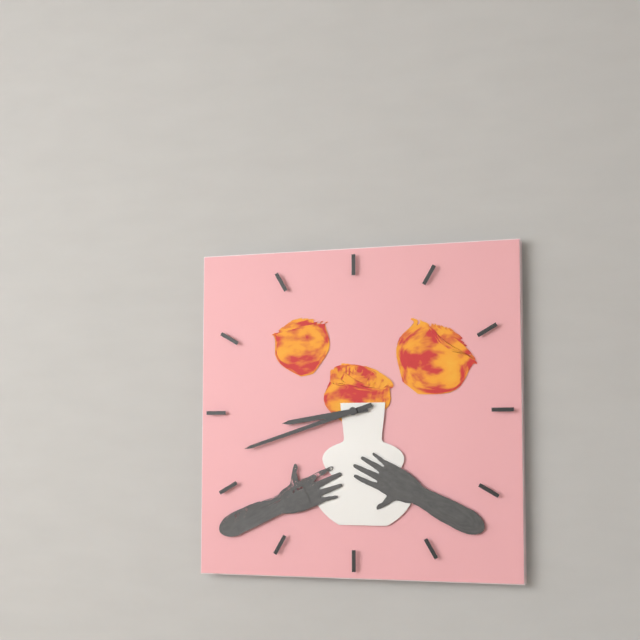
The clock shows 8:42
